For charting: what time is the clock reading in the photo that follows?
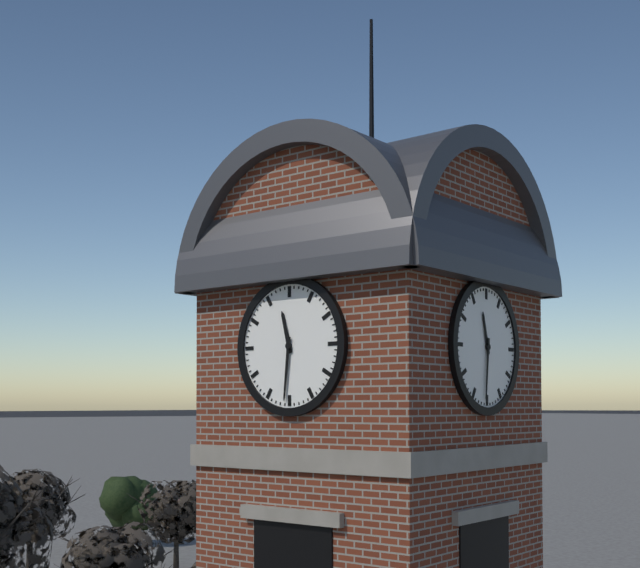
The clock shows 11:31
